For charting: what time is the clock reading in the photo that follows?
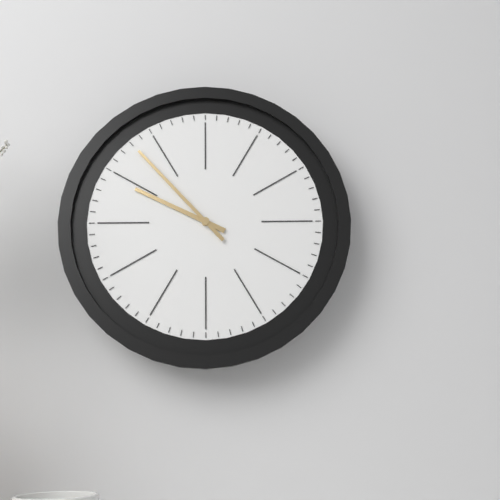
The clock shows 9:53
